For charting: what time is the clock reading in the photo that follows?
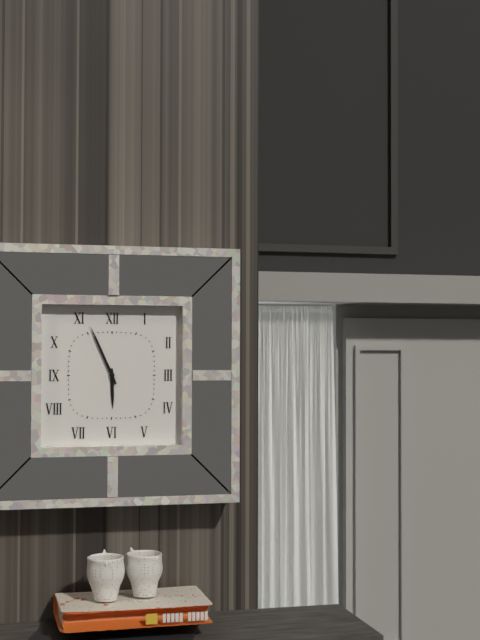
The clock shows 5:56
